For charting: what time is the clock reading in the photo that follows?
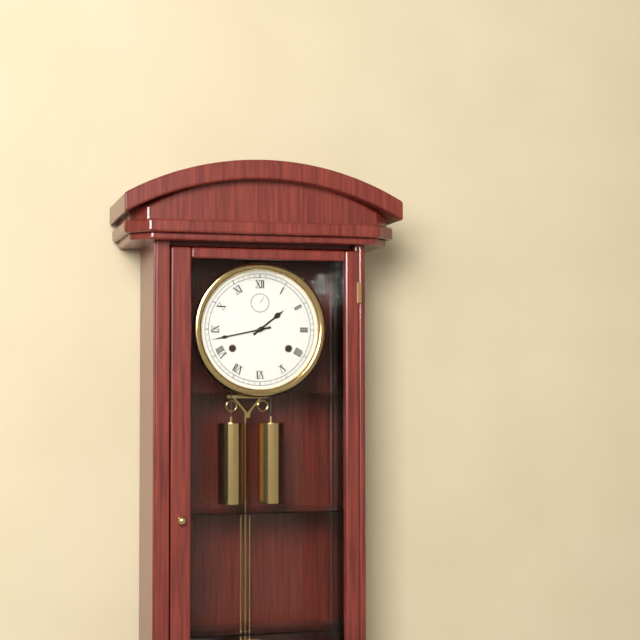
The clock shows 1:43
